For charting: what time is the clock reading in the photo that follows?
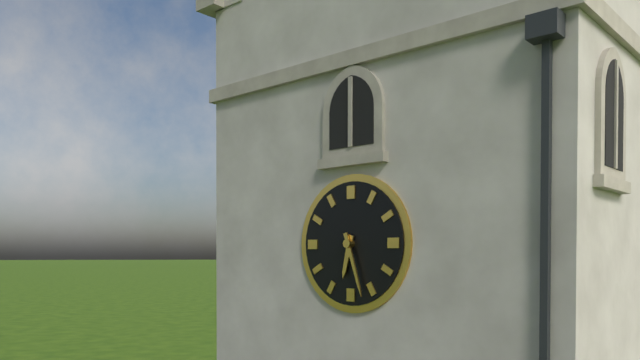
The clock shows 6:27
